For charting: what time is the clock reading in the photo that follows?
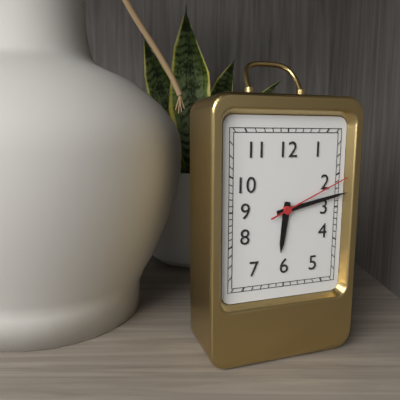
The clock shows 6:13:11
